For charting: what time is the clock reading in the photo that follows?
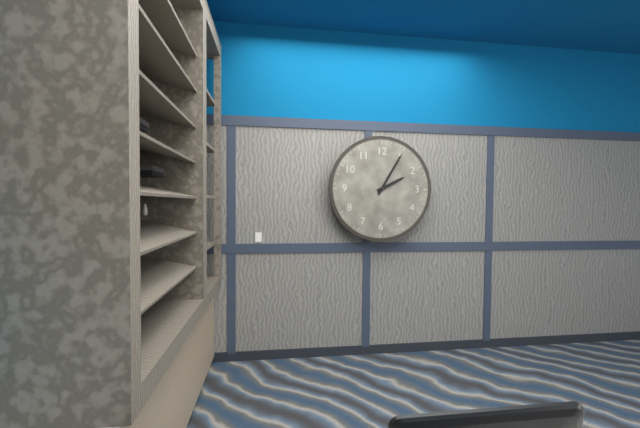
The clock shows 2:05
